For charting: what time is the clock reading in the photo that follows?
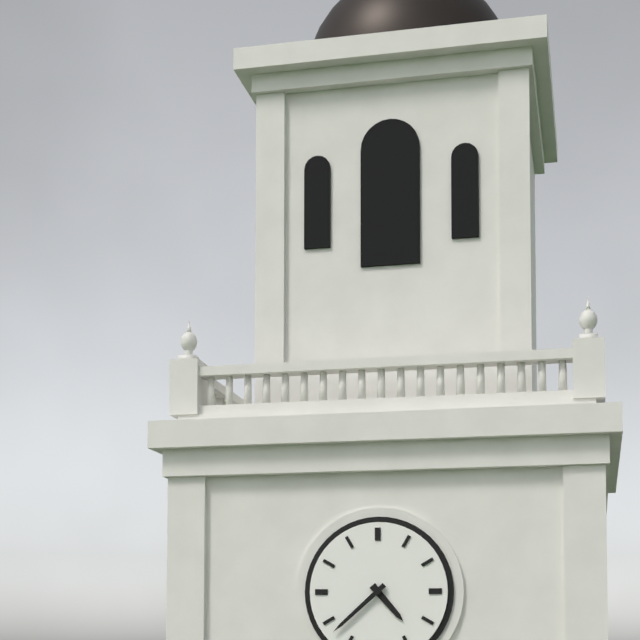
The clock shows 4:38
